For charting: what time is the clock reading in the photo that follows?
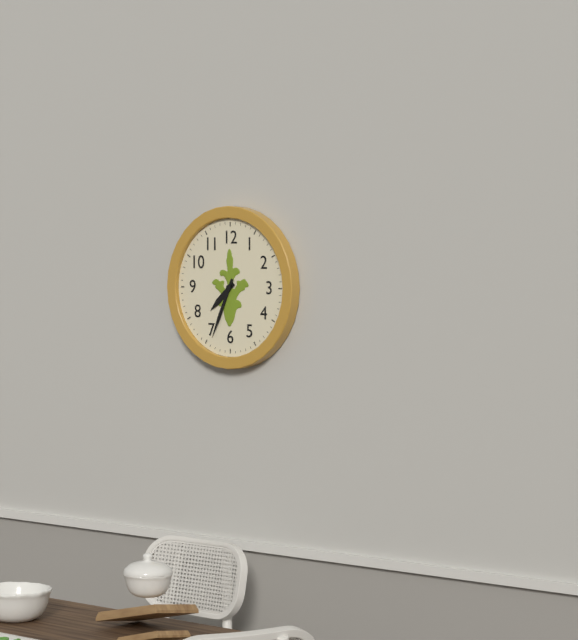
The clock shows 7:34
